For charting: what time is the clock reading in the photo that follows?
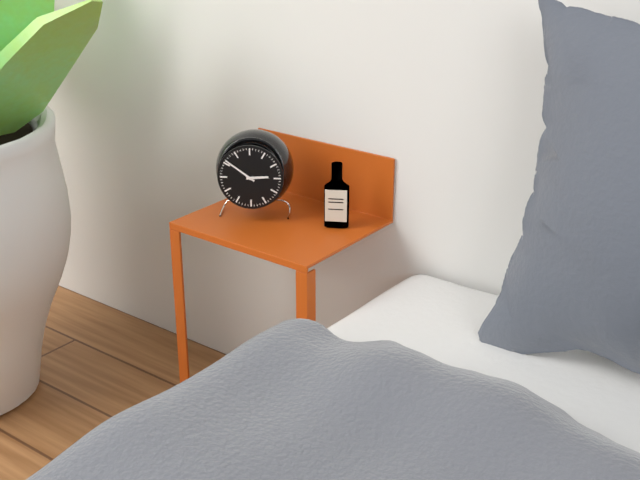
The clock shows 2:51
